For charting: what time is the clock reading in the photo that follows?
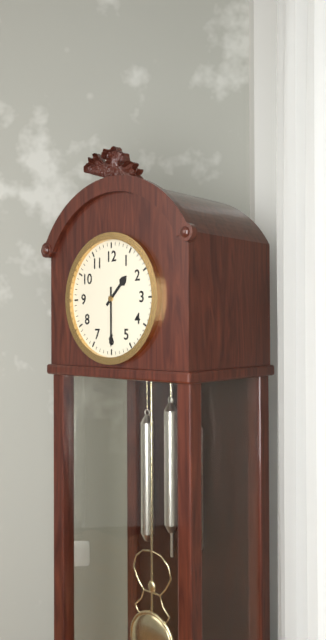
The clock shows 1:30
